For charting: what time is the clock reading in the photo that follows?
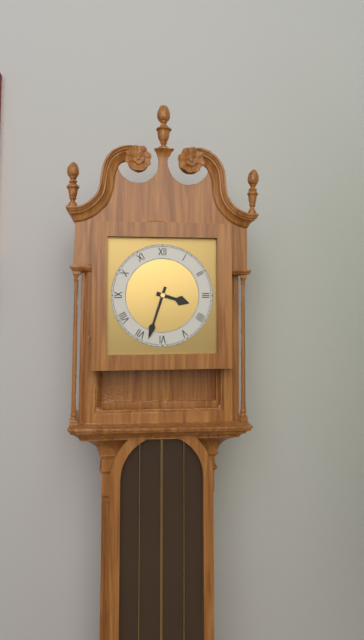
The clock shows 3:33
